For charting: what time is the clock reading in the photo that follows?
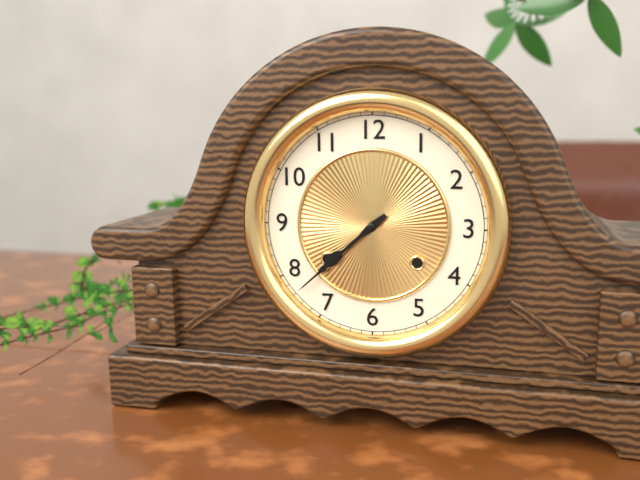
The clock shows 7:38
